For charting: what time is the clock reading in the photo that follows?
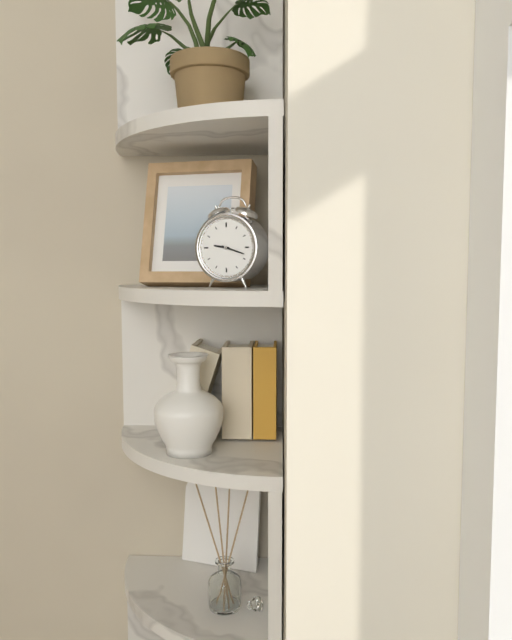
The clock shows 9:18
